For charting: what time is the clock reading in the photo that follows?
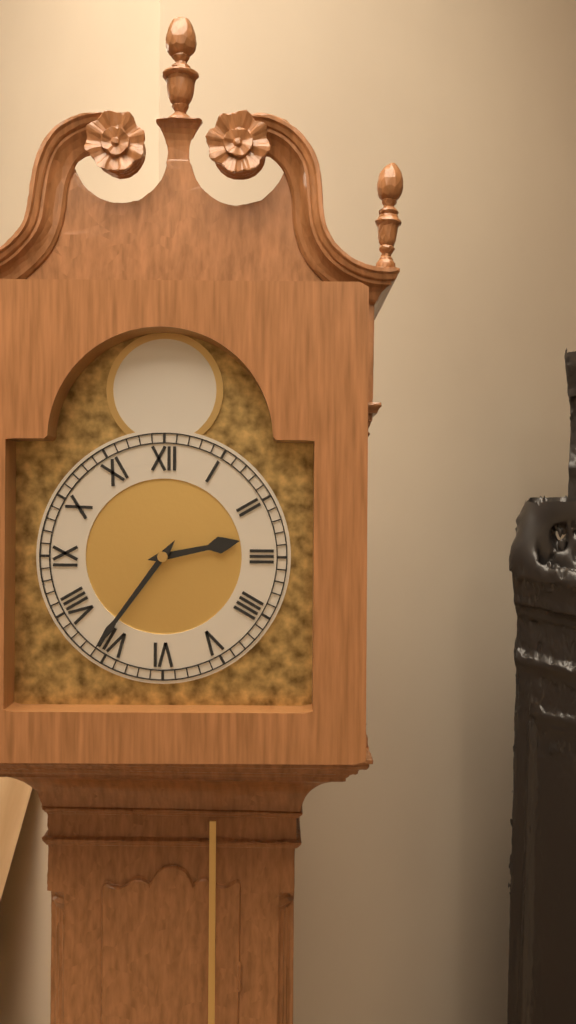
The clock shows 2:36
